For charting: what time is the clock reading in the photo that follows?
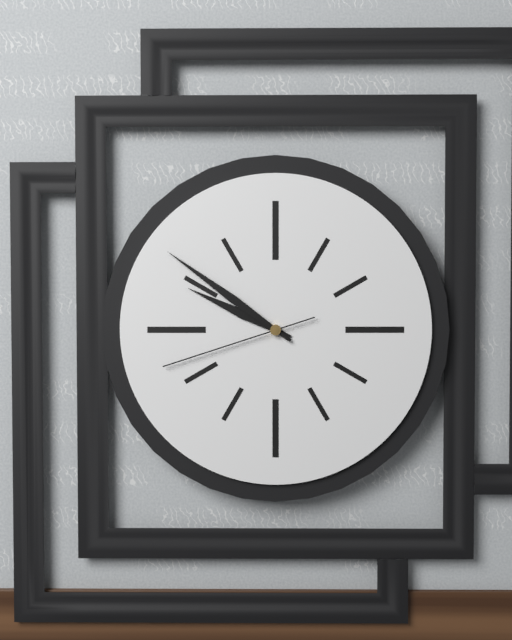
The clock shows 9:51:42
